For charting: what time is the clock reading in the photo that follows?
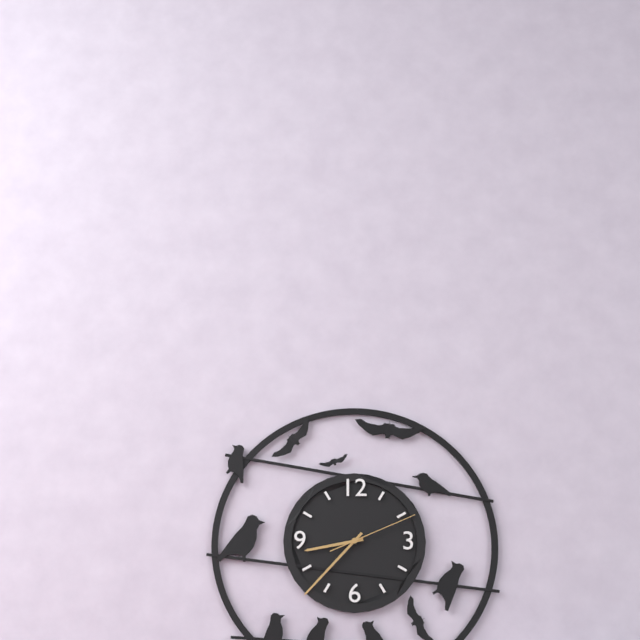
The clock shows 8:37:11
